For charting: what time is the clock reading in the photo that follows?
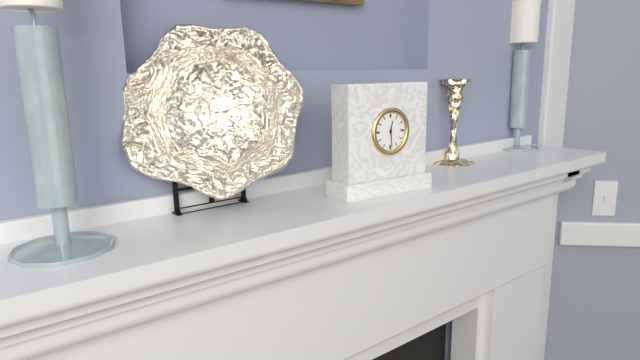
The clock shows 12:29
